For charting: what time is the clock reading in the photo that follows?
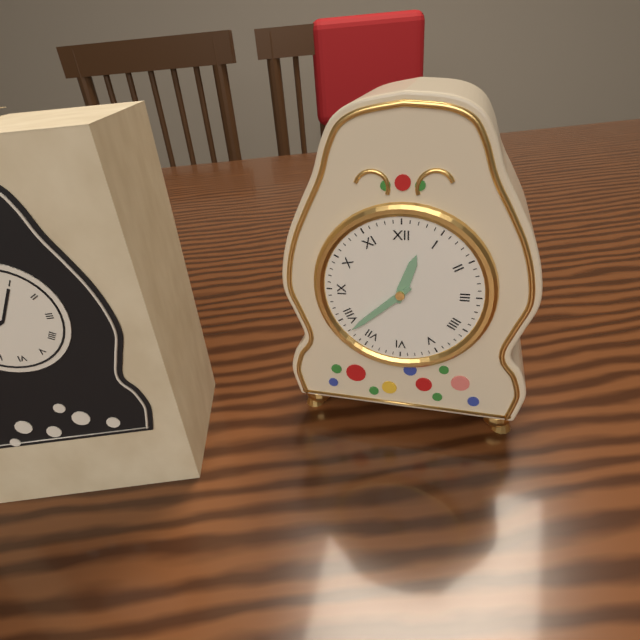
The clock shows 12:38
